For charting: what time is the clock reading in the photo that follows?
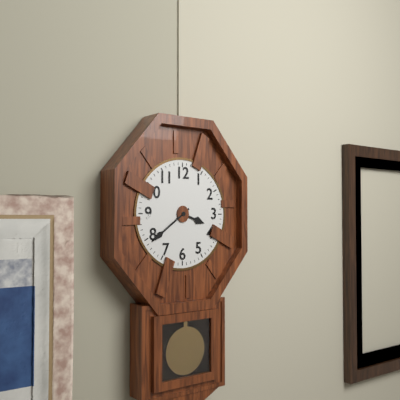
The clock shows 3:39
